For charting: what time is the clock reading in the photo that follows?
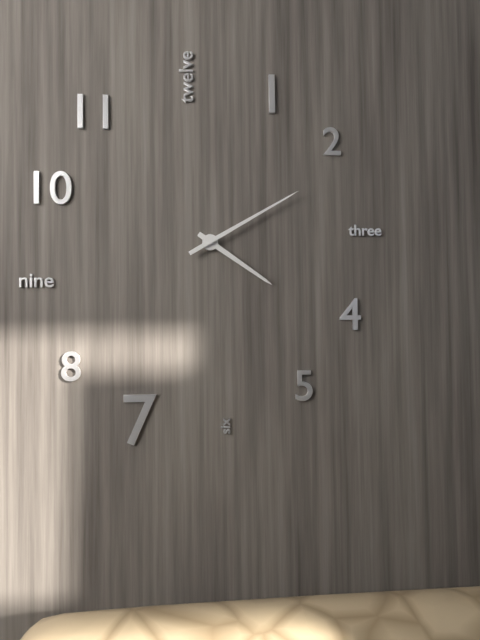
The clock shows 4:10
